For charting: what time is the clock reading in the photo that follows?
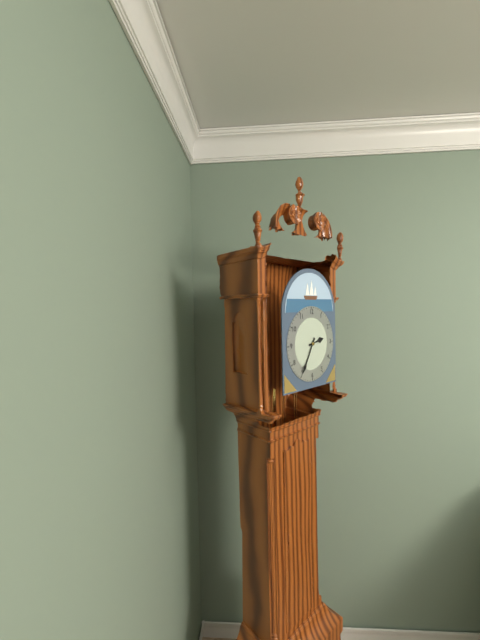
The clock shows 2:35
